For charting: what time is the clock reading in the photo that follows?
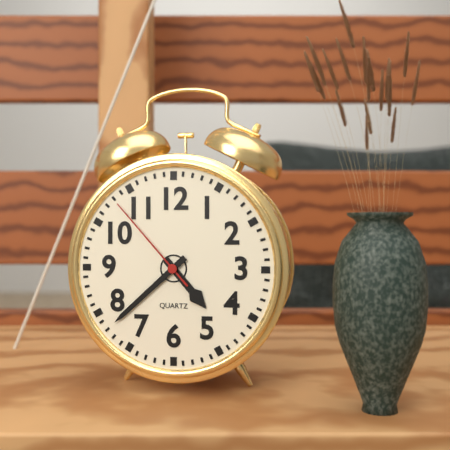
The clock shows 4:38:53
